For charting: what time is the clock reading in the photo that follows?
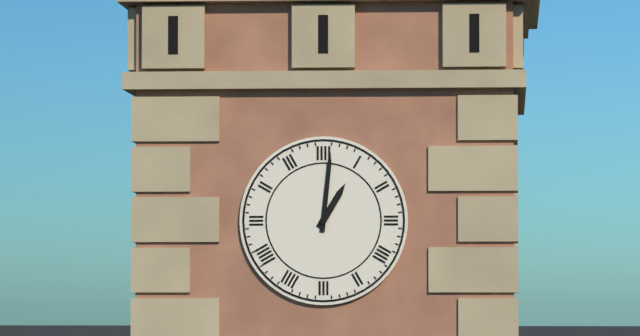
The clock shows 1:01
